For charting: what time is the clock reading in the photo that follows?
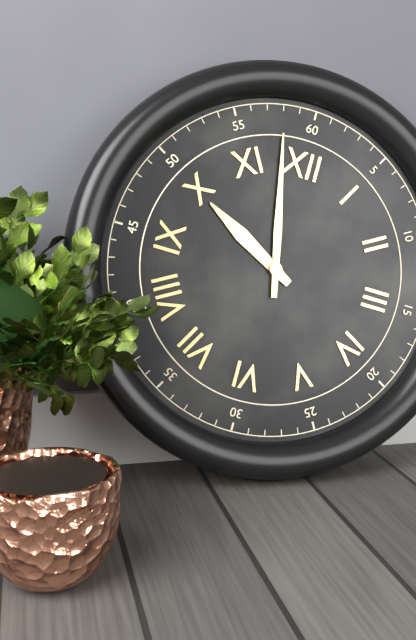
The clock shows 9:58
